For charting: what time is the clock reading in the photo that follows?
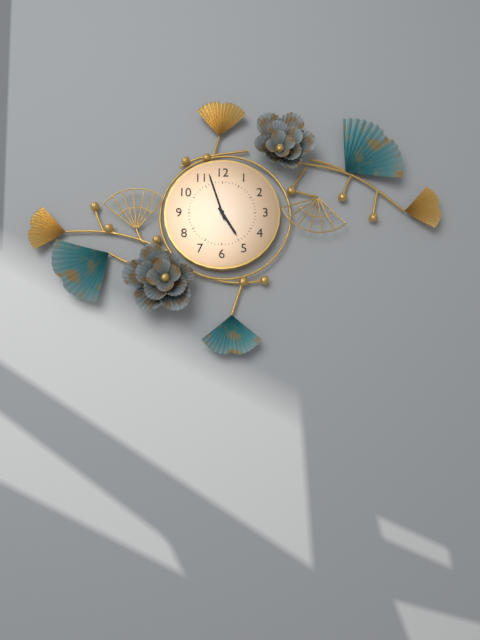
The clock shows 4:57
